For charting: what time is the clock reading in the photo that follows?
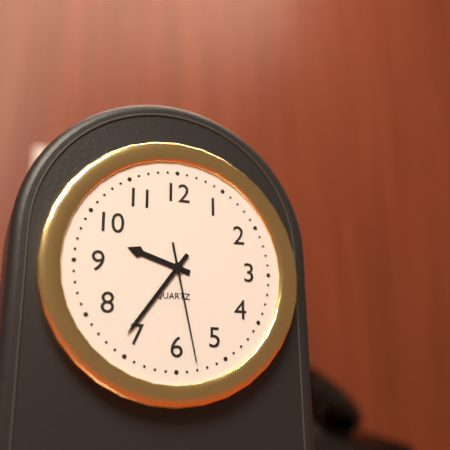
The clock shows 9:36:28
